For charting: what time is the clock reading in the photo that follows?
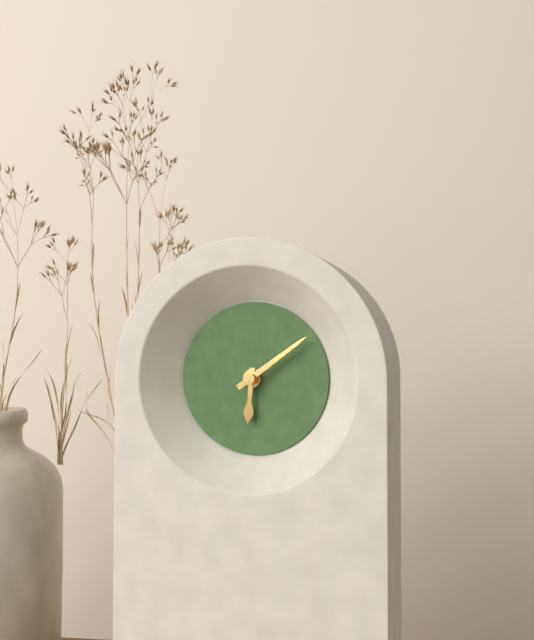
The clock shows 6:09
